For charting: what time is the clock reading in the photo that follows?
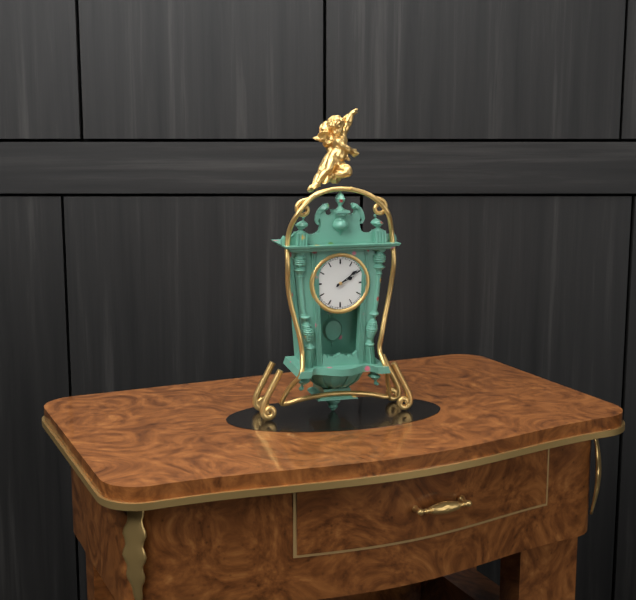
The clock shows 2:09
